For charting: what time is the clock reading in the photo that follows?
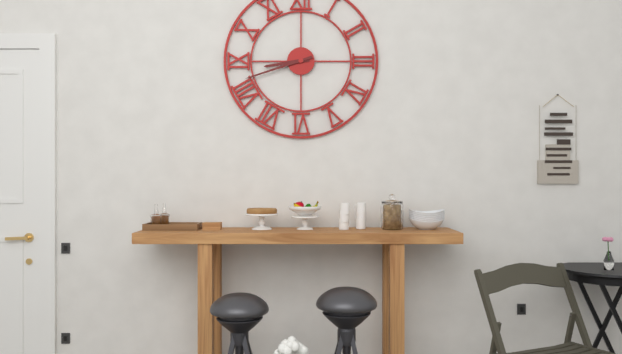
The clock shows 8:42
